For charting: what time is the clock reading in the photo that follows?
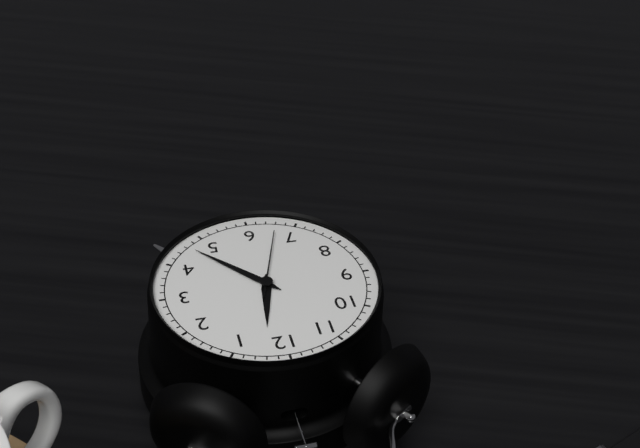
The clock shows 12:23:33
